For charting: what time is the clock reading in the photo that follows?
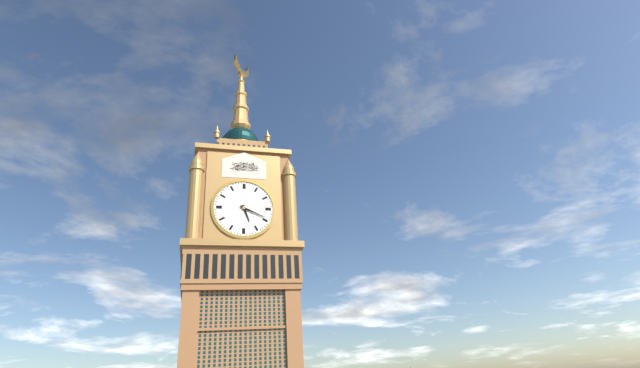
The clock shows 5:19
